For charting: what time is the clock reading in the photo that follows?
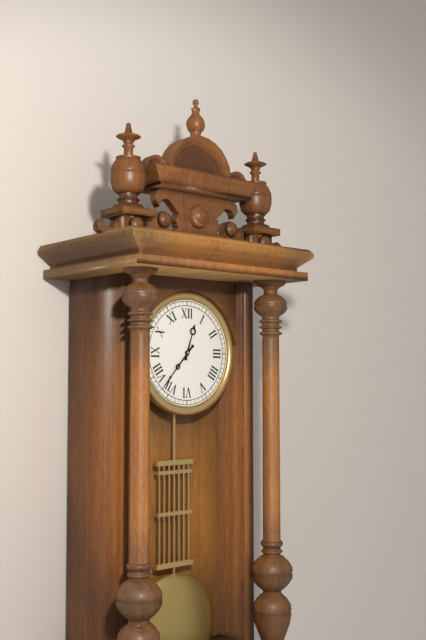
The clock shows 12:37
